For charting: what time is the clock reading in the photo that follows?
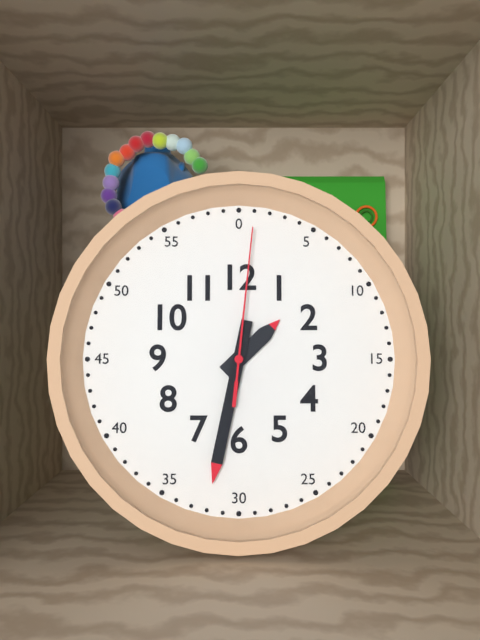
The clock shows 1:32:01
